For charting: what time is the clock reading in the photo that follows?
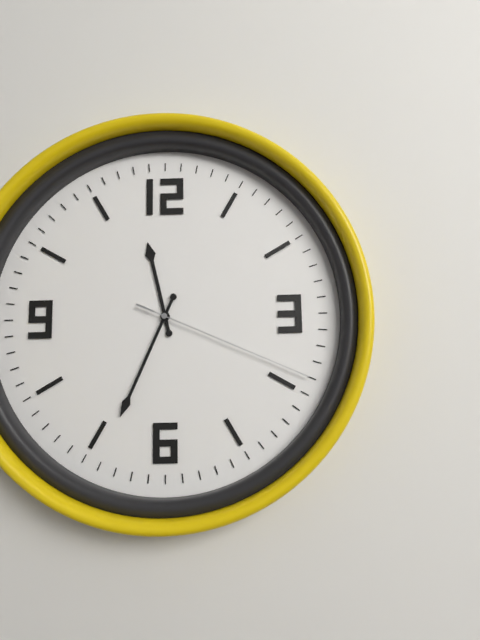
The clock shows 11:34:19
